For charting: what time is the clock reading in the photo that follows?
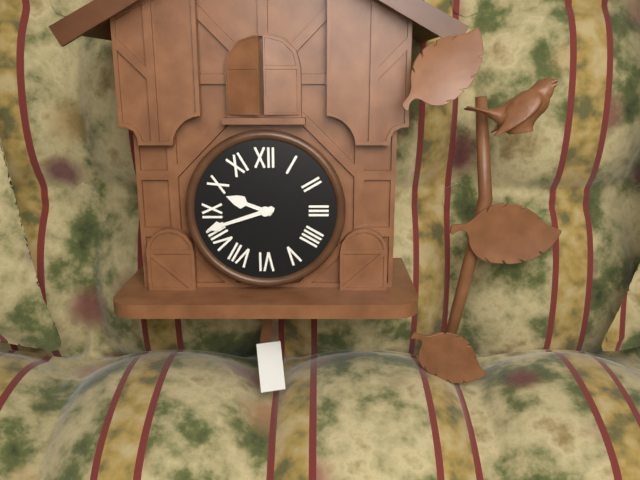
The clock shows 9:42
